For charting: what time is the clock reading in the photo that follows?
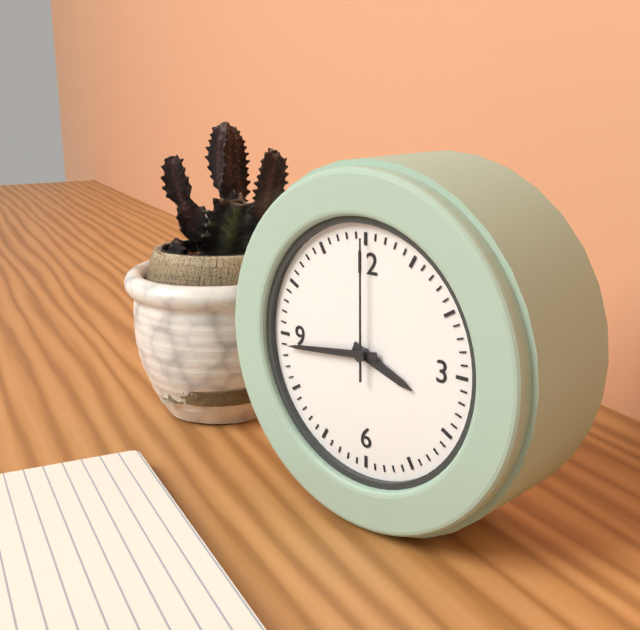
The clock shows 3:44:00
